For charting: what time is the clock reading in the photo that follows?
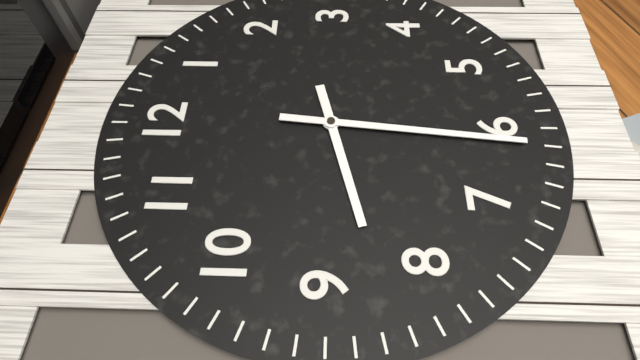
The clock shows 8:31
